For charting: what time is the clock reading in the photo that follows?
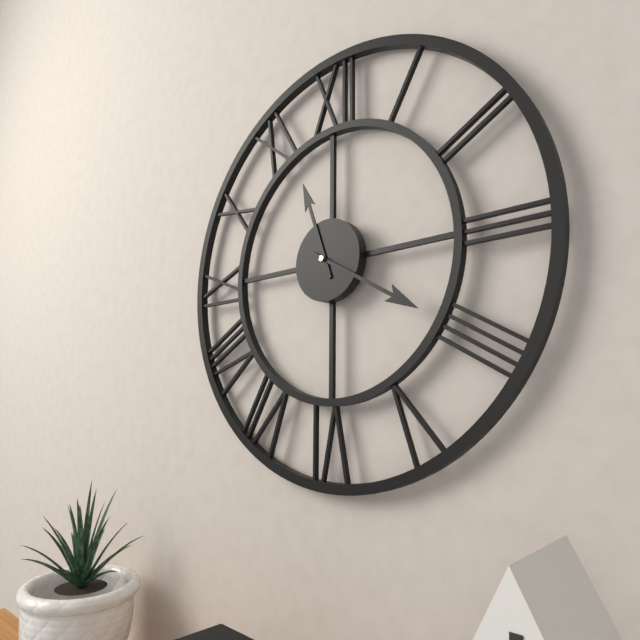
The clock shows 11:20
